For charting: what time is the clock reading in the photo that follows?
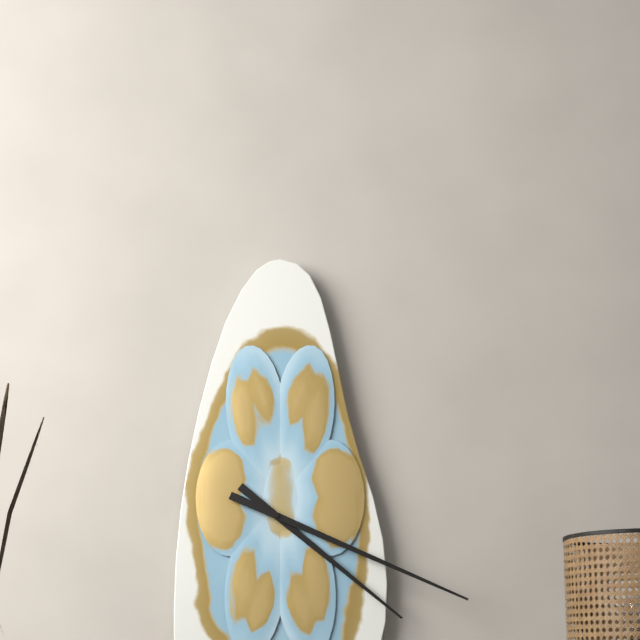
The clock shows 4:19
